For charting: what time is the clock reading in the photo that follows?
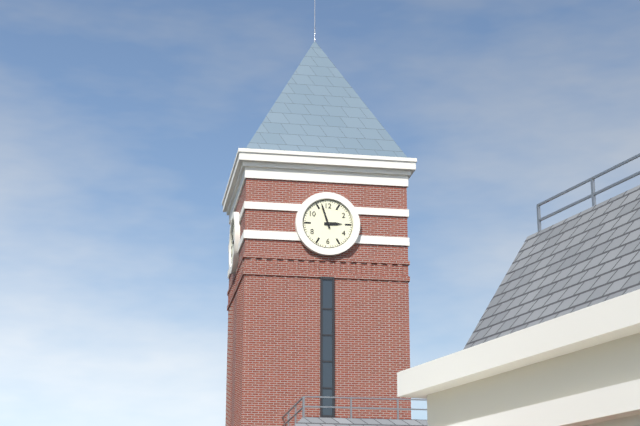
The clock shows 2:57
